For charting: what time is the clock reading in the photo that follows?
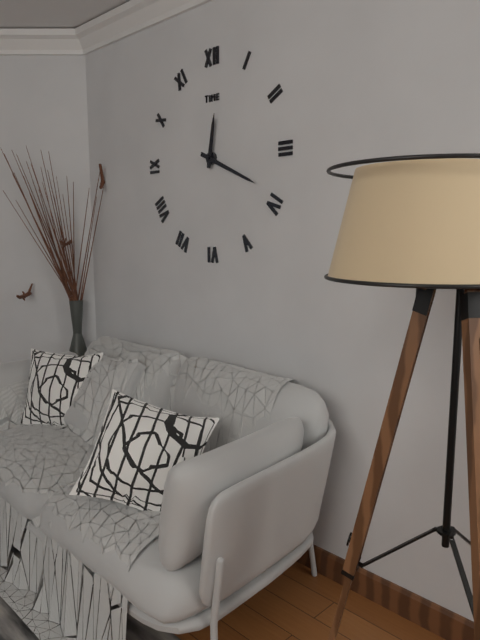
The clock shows 12:19
